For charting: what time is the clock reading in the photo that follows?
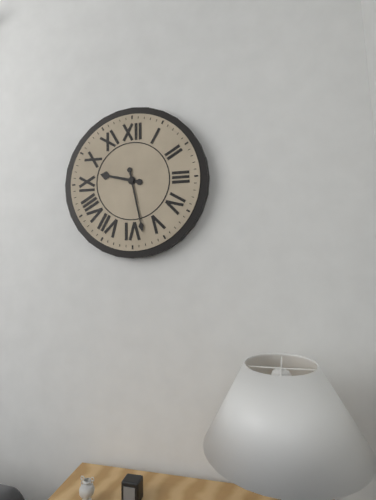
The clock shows 9:28
